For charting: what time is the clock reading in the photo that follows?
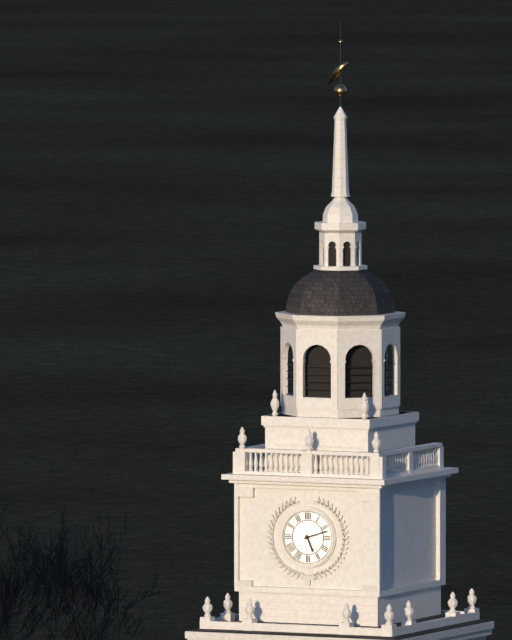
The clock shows 5:12
